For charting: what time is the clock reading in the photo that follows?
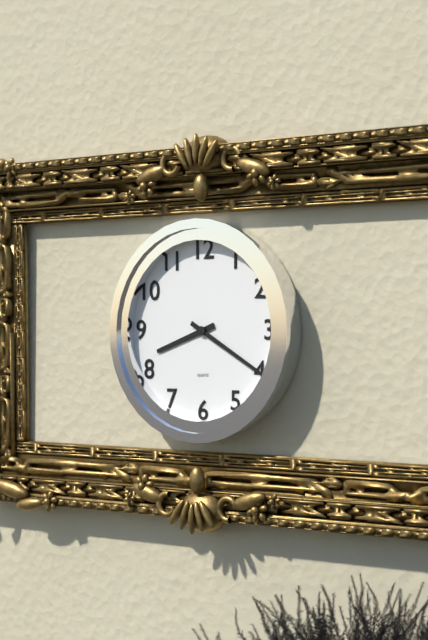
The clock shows 8:20
